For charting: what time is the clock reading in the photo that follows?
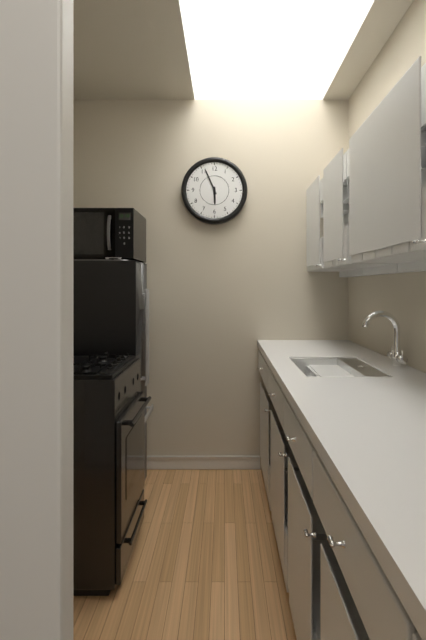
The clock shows 5:56
